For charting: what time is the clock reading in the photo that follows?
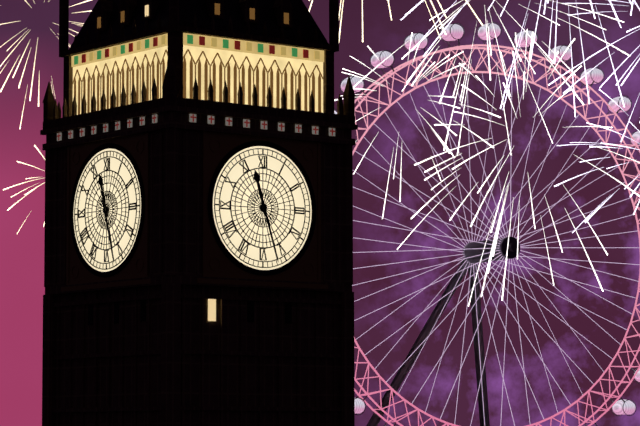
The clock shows 11:27
